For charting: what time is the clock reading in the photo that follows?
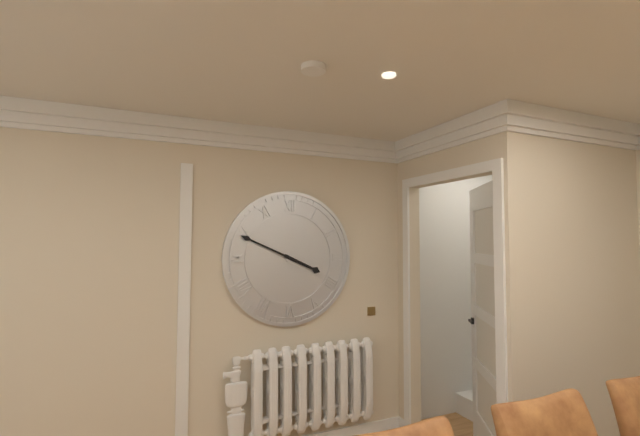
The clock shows 3:49
